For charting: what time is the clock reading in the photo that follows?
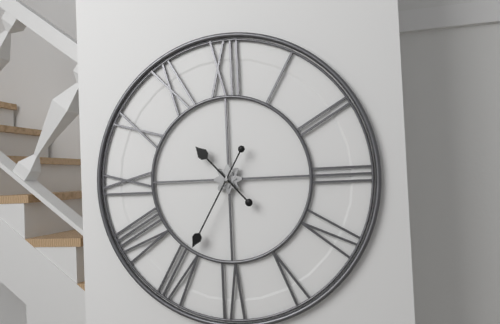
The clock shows 10:35
